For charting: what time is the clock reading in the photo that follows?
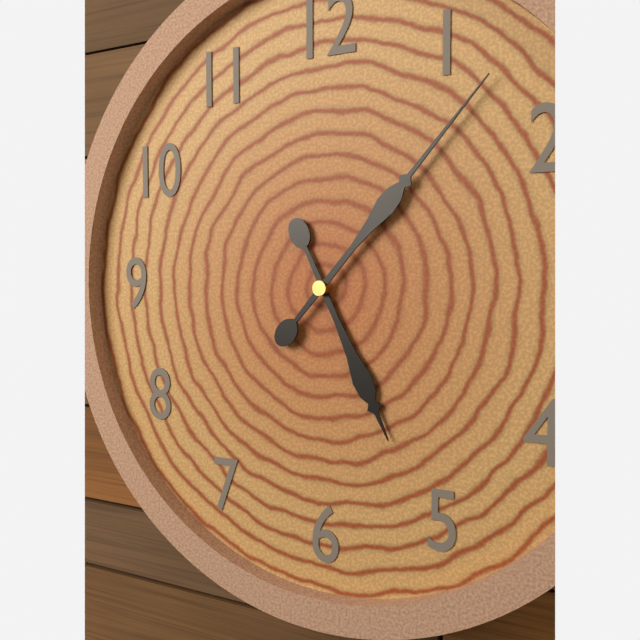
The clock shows 5:07
